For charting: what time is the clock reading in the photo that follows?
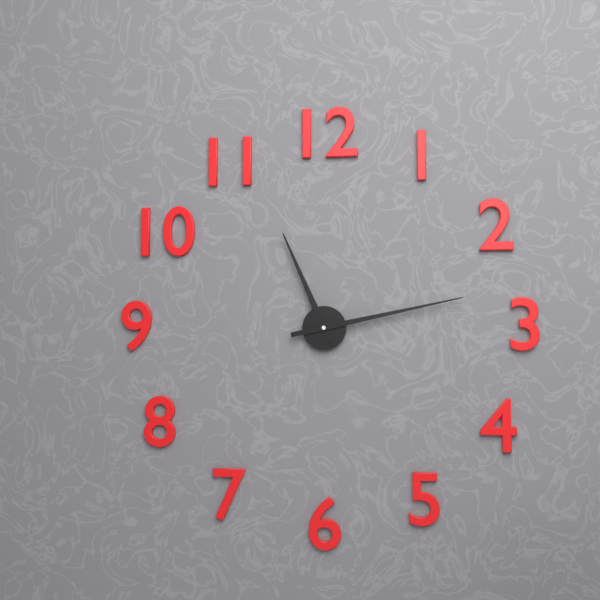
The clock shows 11:13
